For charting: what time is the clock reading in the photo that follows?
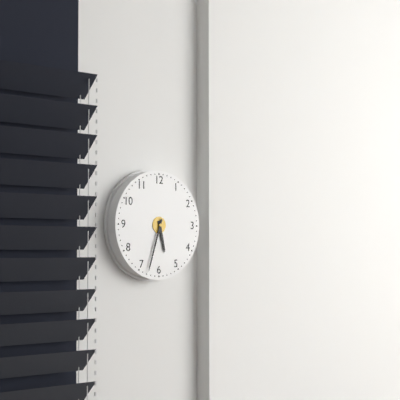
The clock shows 5:33
